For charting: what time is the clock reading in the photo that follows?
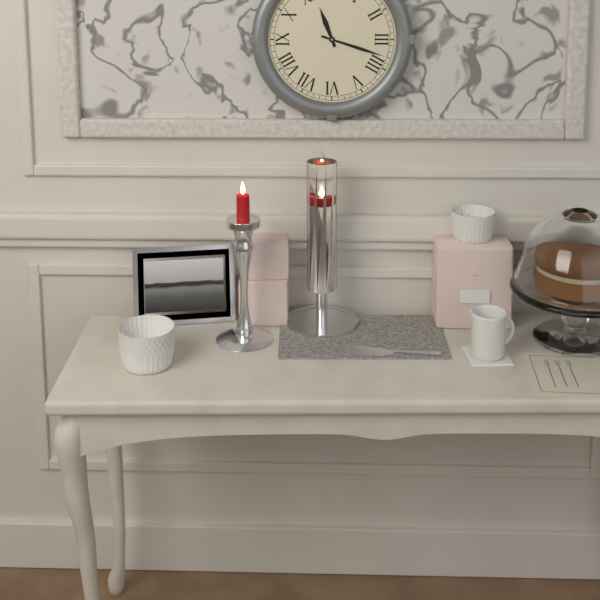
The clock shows 11:18
